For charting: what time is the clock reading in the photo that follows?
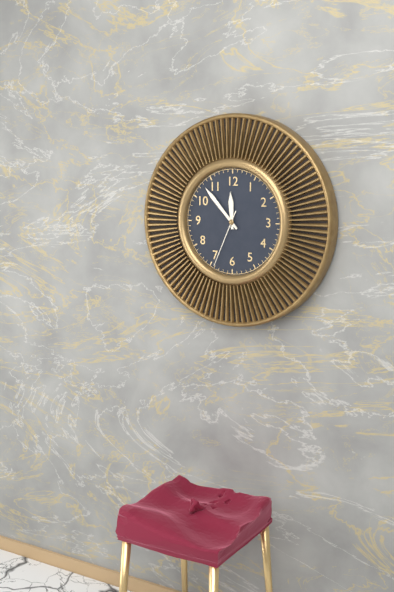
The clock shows 11:53:34
